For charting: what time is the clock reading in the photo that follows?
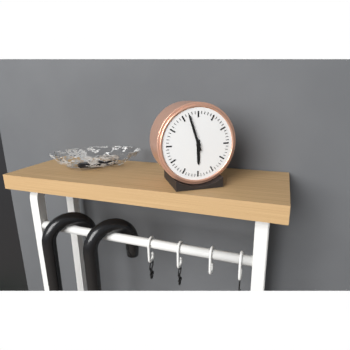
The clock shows 5:57
